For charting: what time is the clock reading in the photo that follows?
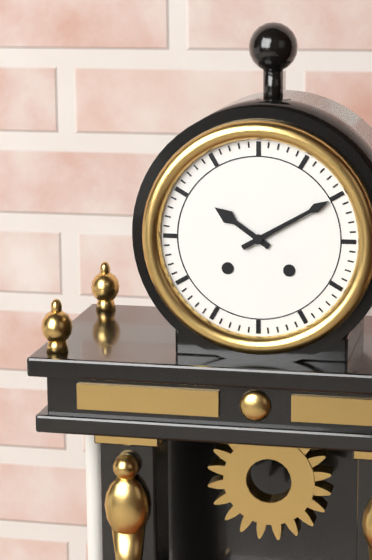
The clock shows 10:10
